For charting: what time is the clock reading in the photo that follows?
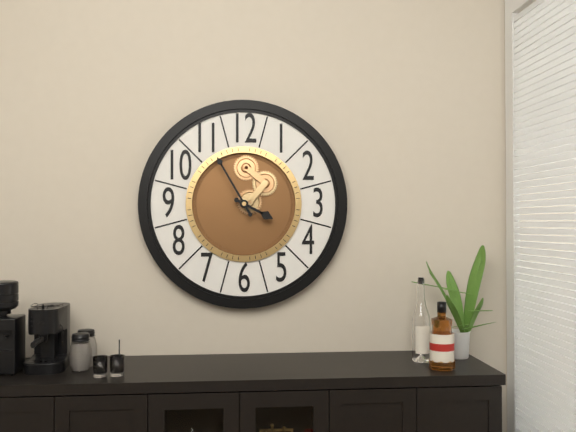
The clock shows 3:55
